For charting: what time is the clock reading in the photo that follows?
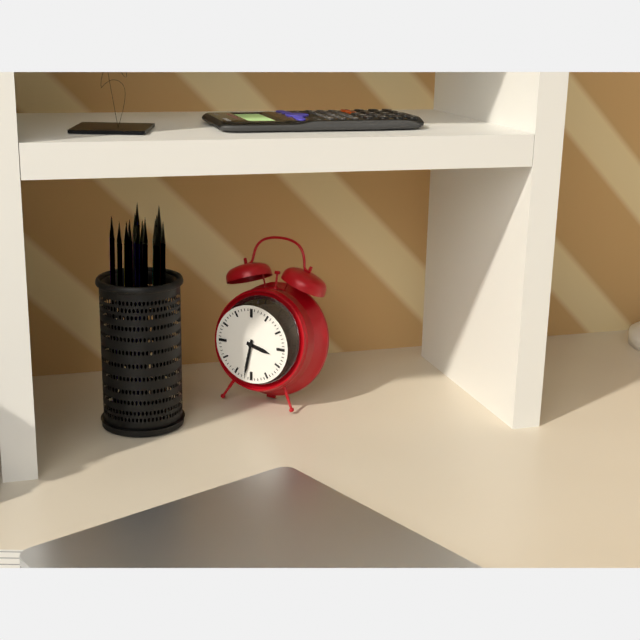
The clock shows 3:32
